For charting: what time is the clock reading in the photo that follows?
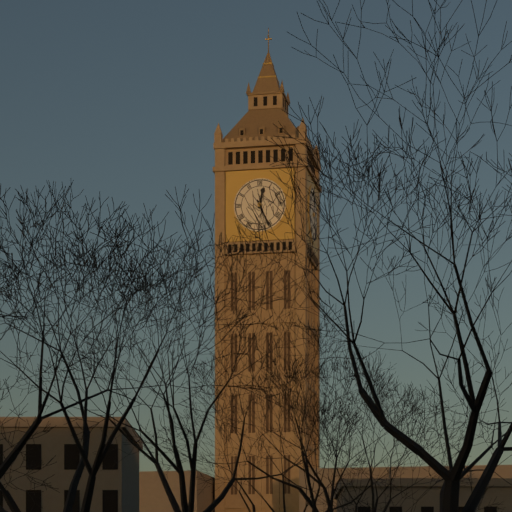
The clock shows 12:26
